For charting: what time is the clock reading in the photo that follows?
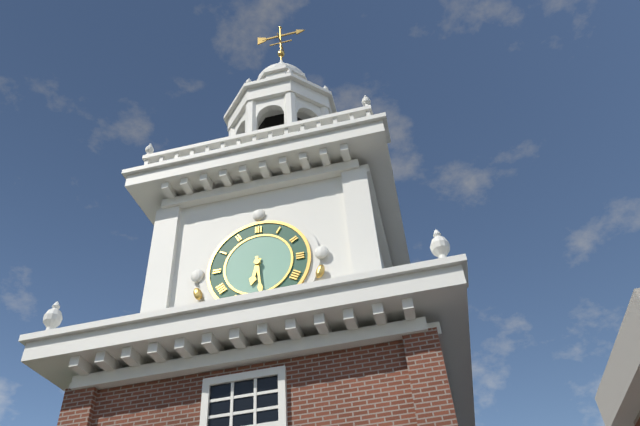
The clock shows 6:29
